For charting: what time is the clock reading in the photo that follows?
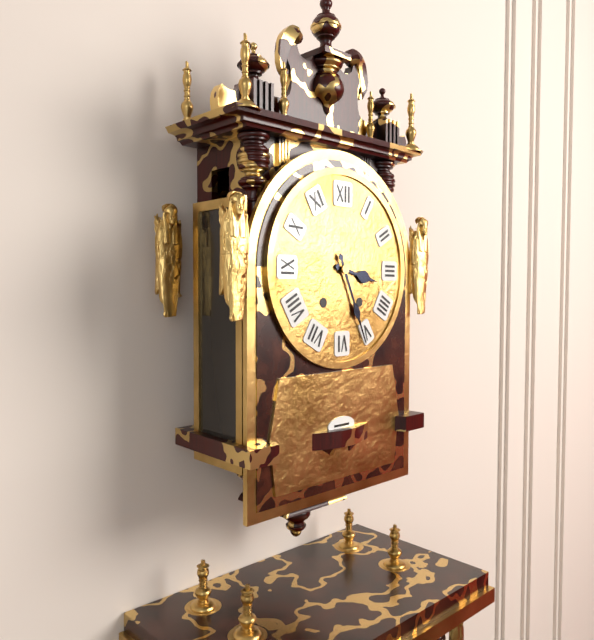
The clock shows 3:26
